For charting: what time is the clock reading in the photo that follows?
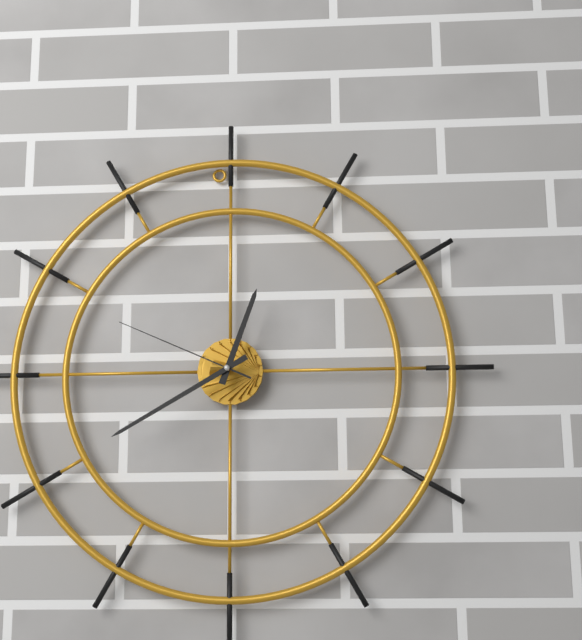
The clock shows 12:40:49
